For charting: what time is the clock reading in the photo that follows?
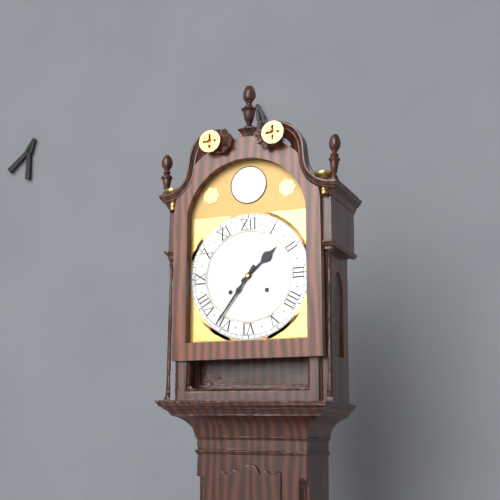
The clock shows 1:36
